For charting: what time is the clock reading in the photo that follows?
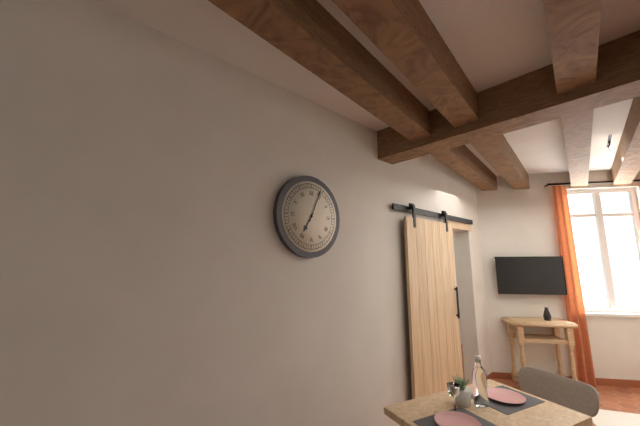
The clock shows 7:04
